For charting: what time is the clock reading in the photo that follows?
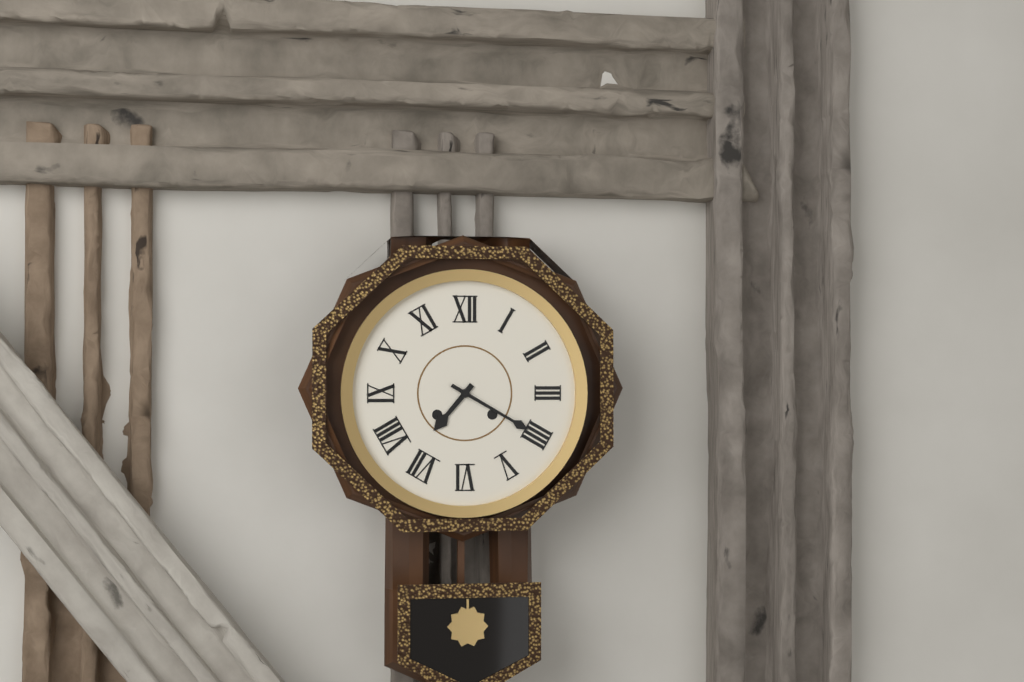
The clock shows 7:20
